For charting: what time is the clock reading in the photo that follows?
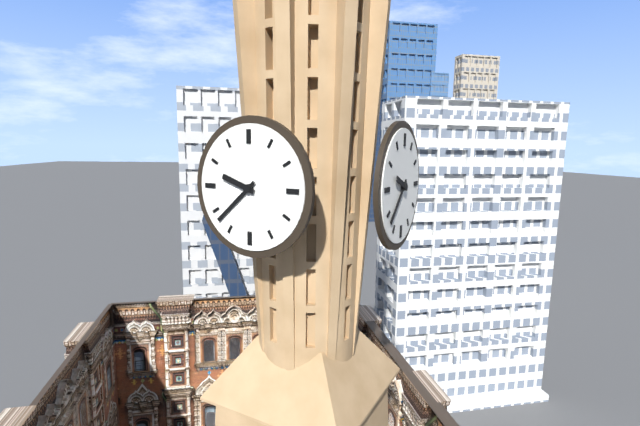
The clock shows 9:38
